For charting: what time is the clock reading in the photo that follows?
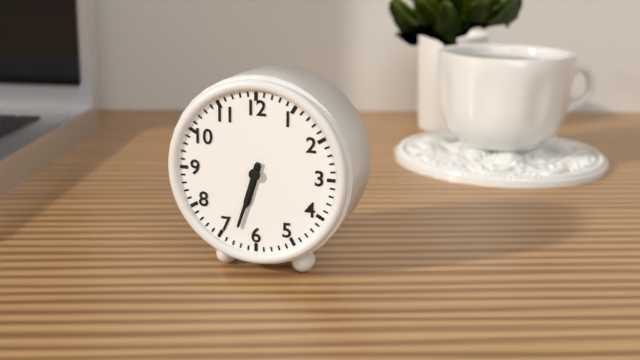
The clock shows 6:33
